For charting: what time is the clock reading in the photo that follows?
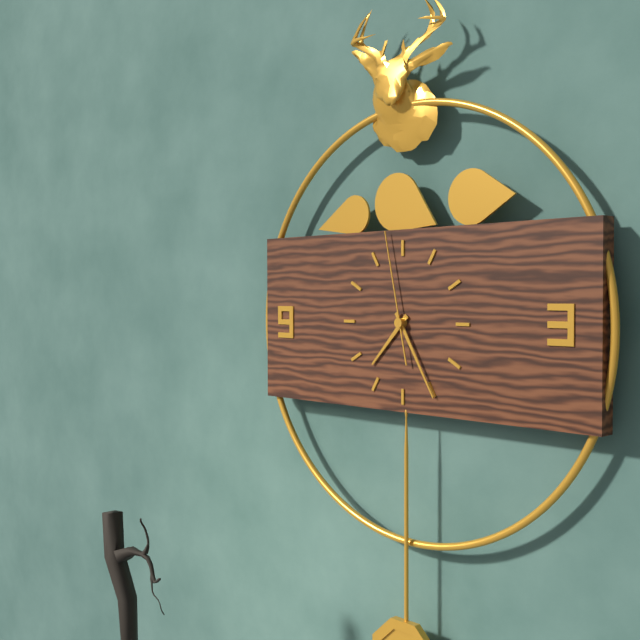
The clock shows 7:25:58
